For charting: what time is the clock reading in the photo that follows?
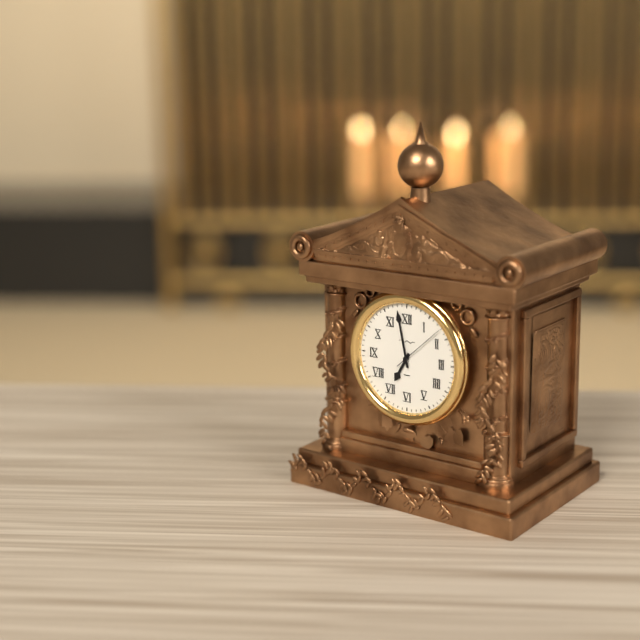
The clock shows 6:58:08
